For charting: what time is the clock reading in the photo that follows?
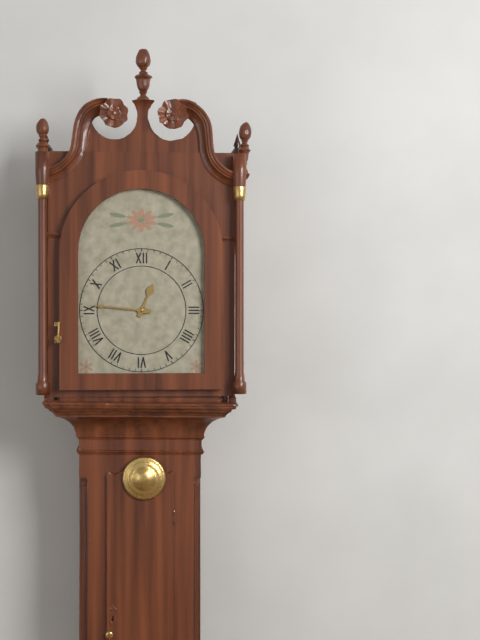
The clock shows 12:46
